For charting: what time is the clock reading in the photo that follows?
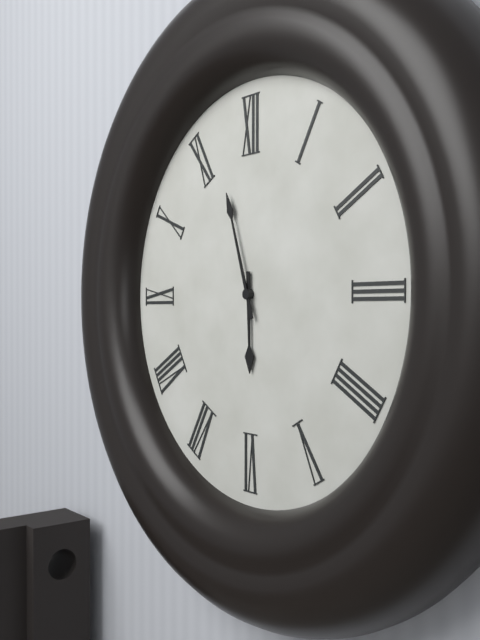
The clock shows 5:57
